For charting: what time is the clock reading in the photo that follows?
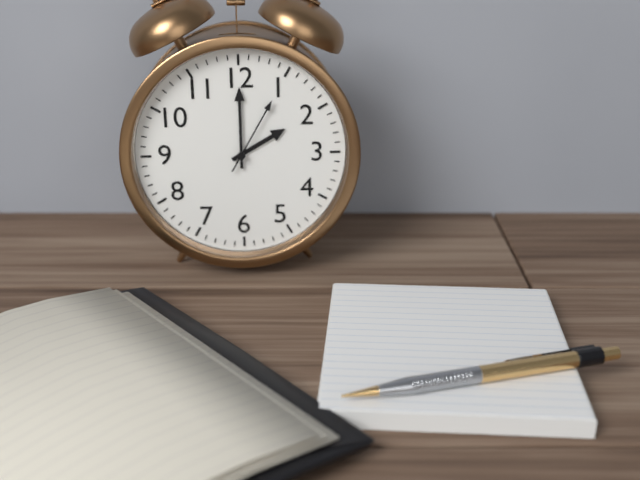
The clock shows 2:00:05
